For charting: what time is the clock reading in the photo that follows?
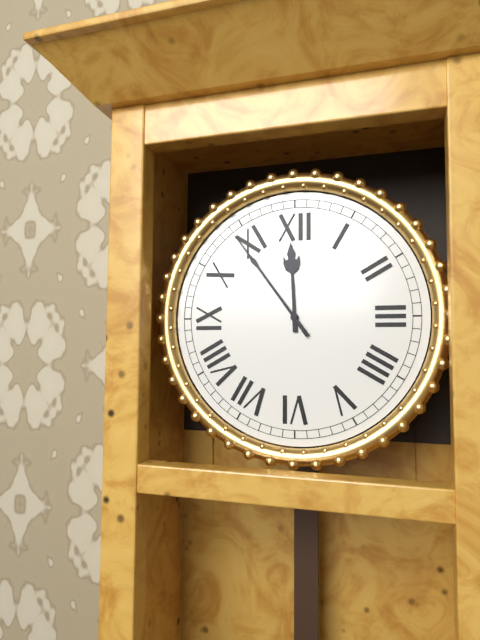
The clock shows 11:54
